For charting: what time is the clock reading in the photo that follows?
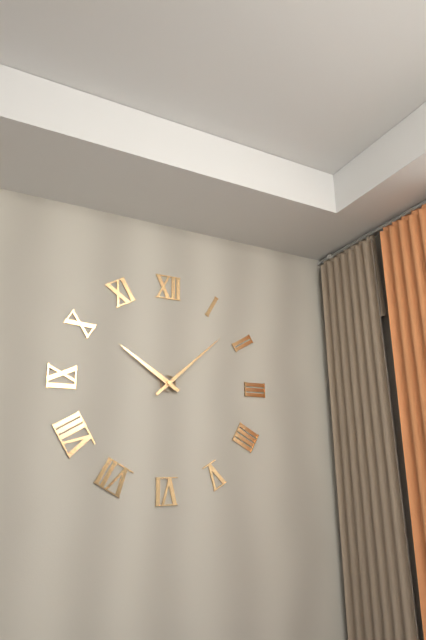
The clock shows 10:08
